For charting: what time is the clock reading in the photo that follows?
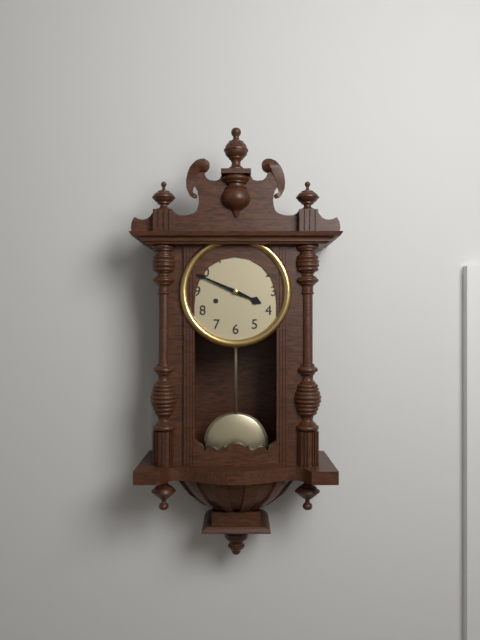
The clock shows 3:49
